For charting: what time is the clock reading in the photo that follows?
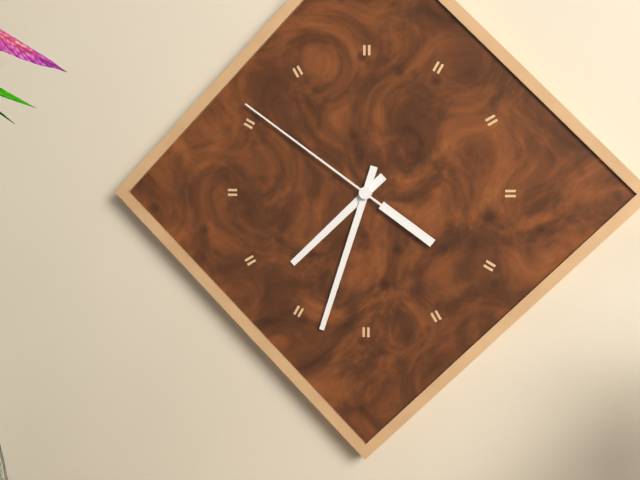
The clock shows 7:33:51
